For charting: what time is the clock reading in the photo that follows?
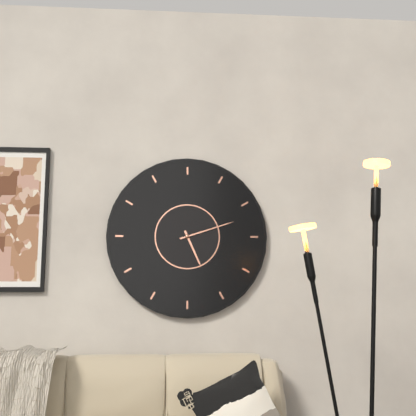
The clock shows 5:12
